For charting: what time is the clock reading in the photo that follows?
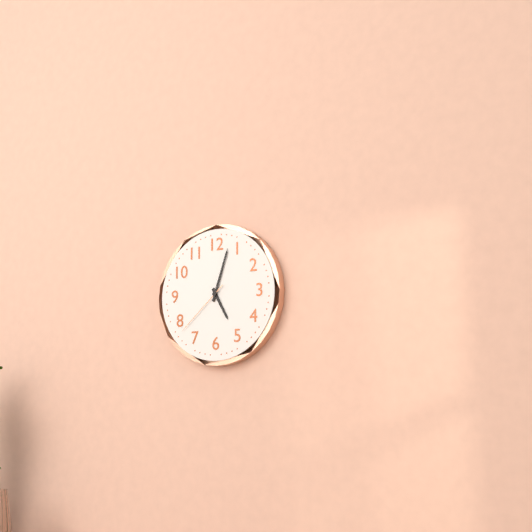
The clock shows 5:03:38
